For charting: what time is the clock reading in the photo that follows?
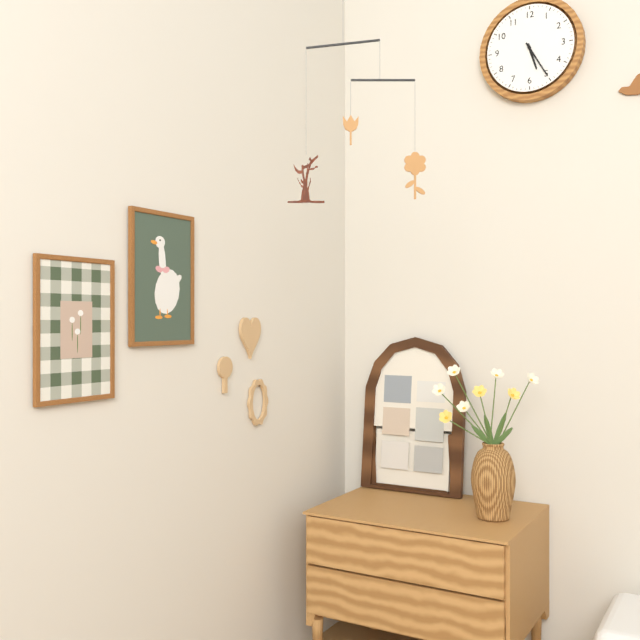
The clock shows 5:25
